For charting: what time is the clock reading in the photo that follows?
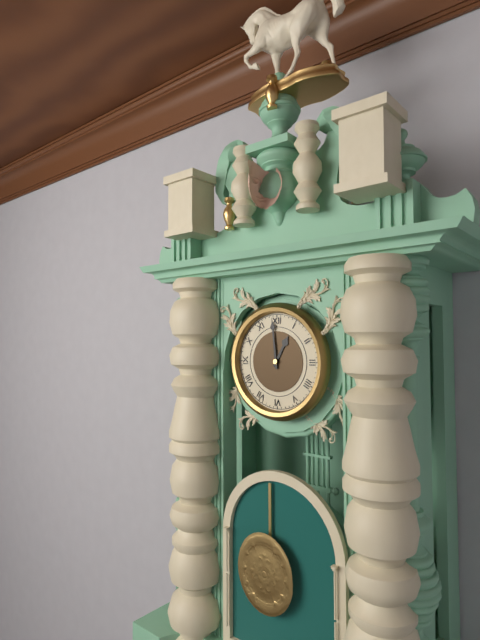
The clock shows 12:59
